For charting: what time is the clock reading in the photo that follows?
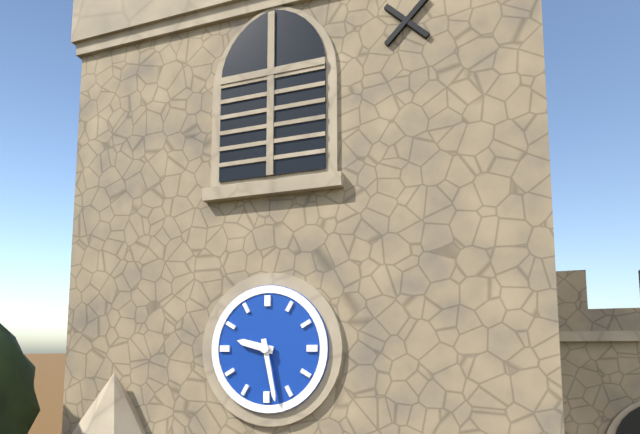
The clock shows 9:28
